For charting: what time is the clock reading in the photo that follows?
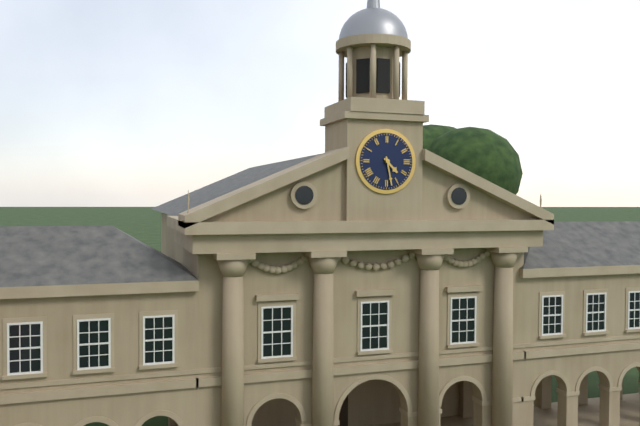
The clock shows 4:28
